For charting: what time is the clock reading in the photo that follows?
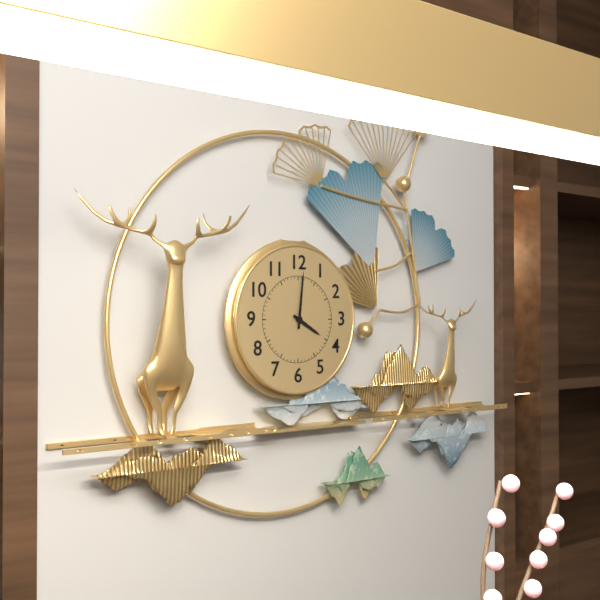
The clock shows 4:01
